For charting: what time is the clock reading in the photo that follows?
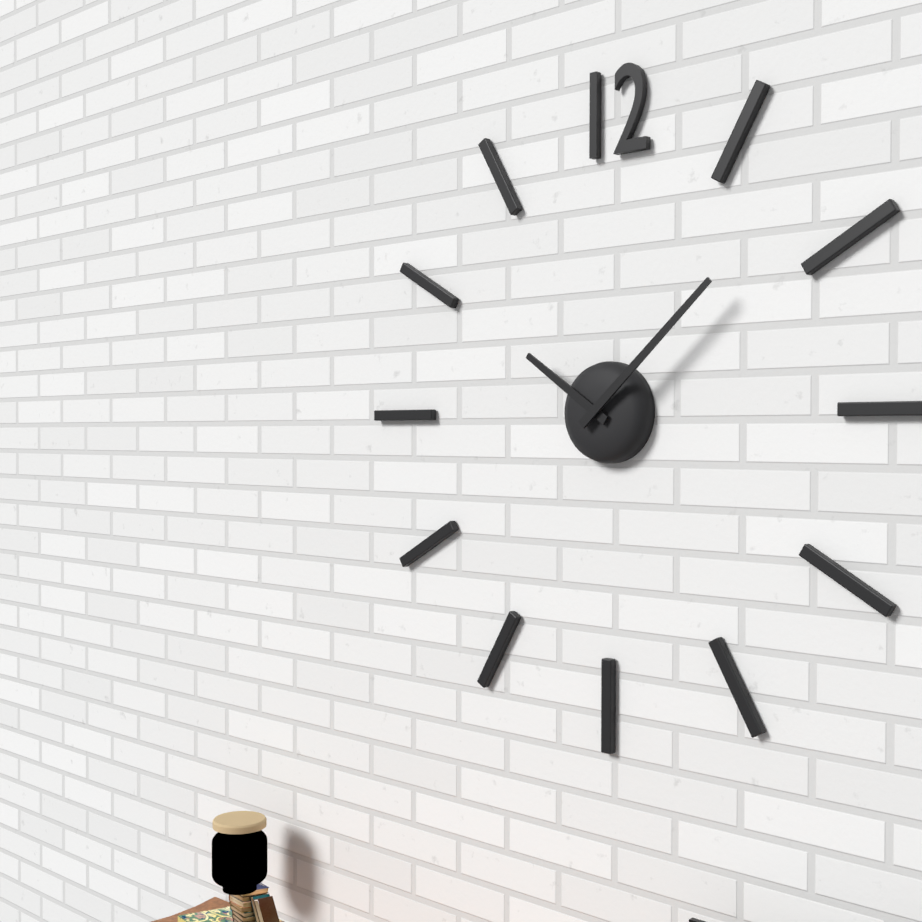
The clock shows 10:08
